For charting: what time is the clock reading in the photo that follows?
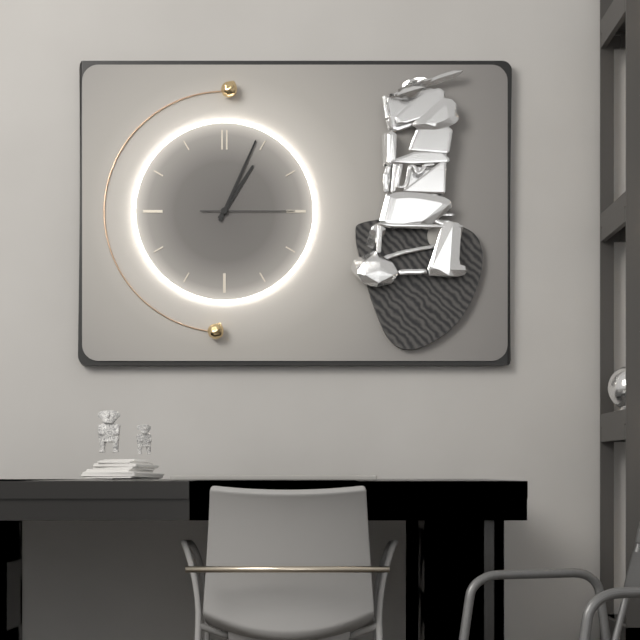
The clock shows 1:04:15
